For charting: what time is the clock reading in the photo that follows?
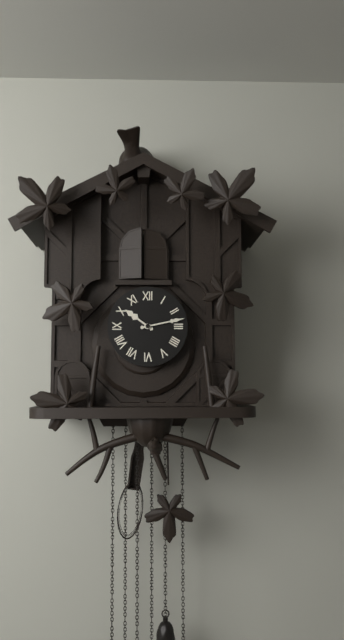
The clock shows 10:13
